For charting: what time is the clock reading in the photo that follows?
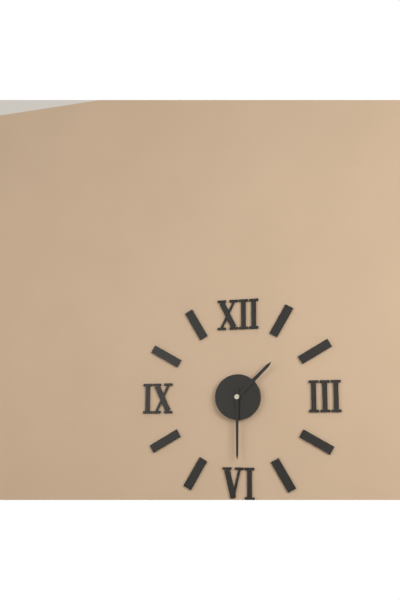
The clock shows 1:30
